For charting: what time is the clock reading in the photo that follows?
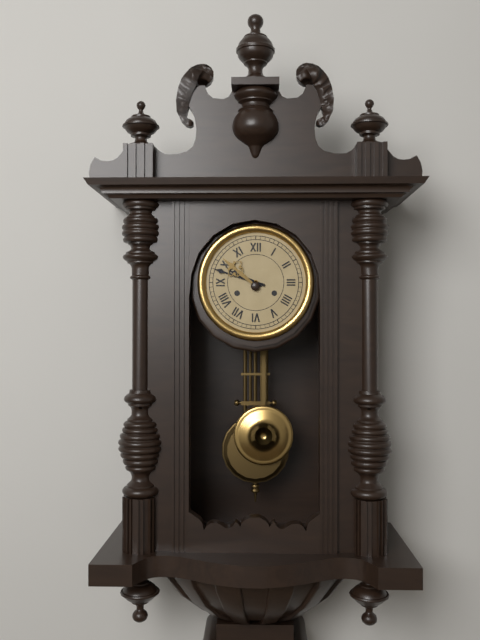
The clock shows 9:48
